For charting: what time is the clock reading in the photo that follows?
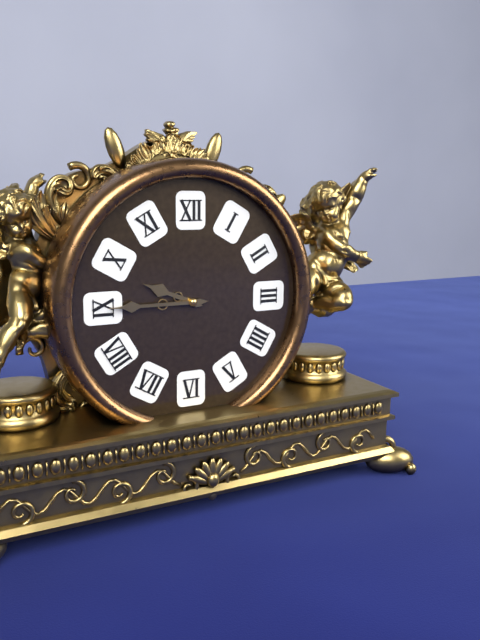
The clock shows 9:45
